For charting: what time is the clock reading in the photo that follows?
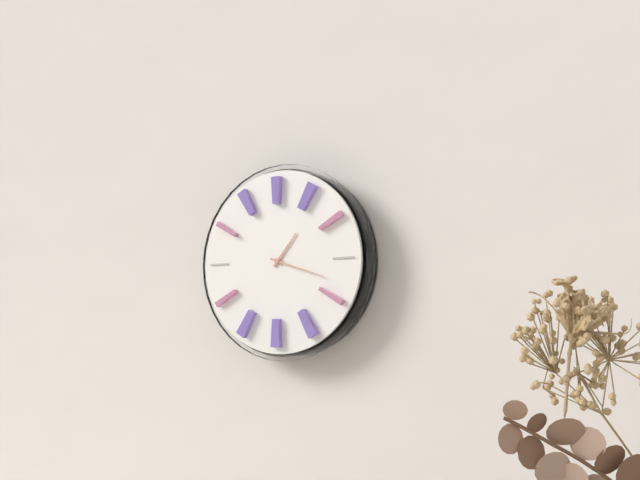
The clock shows 1:18
